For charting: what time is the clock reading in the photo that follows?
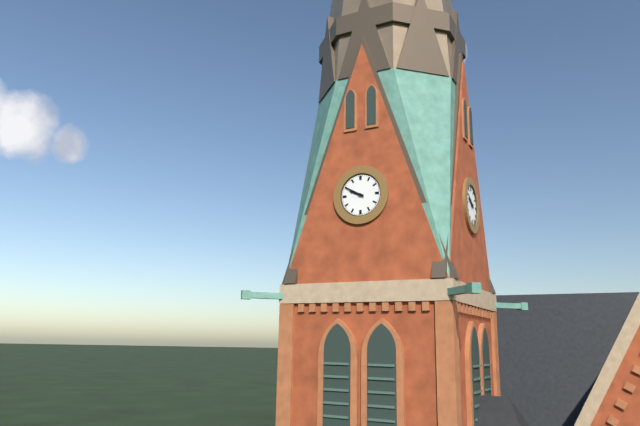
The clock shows 9:50
